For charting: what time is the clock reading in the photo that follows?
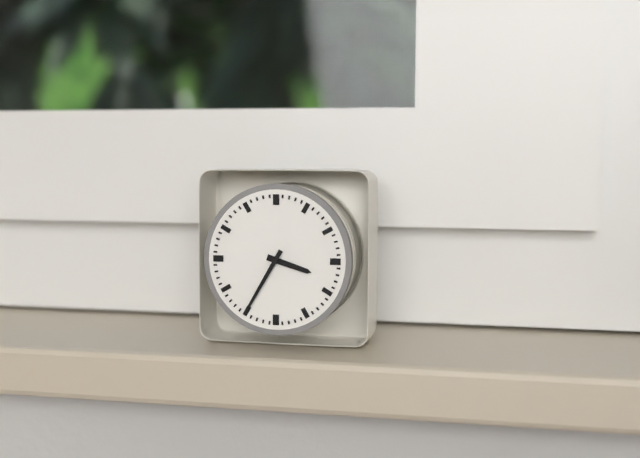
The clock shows 3:35
